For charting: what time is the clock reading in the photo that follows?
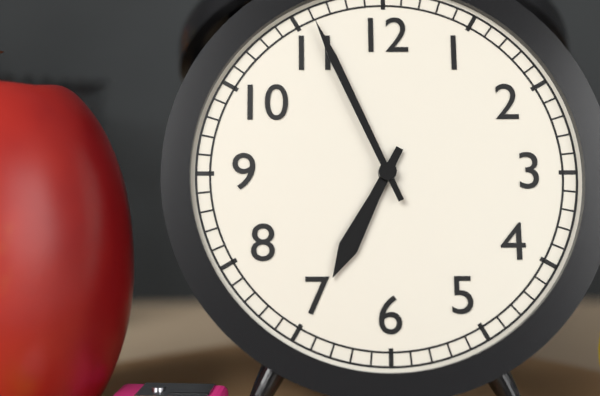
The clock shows 6:56
